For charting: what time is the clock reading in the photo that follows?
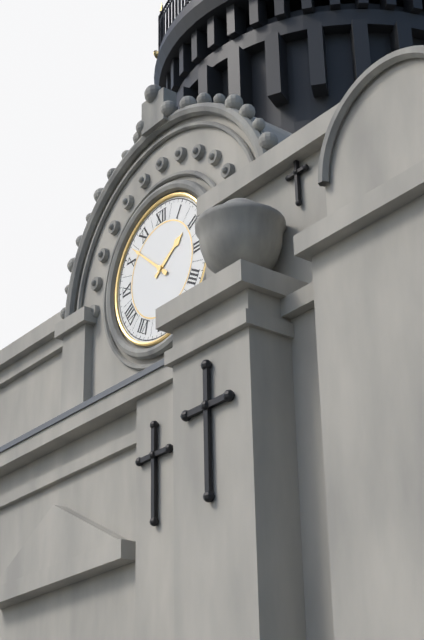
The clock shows 1:52
